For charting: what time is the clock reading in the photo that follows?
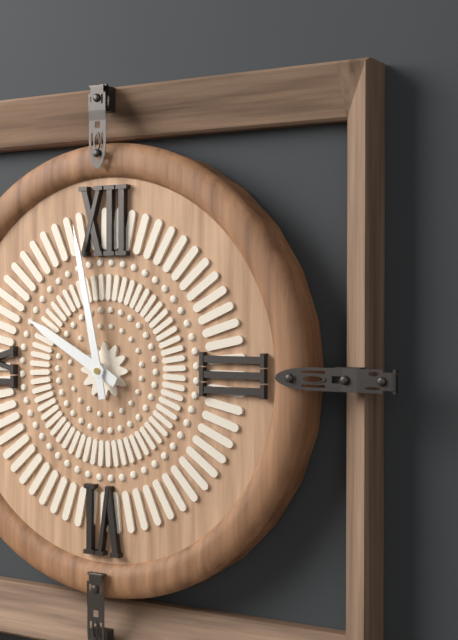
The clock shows 9:58
